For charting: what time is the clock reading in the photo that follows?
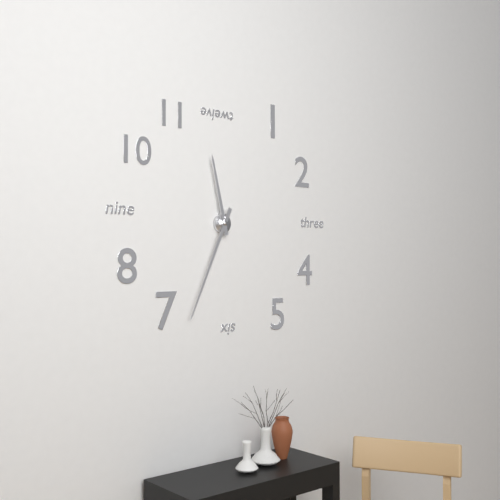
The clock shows 11:34
